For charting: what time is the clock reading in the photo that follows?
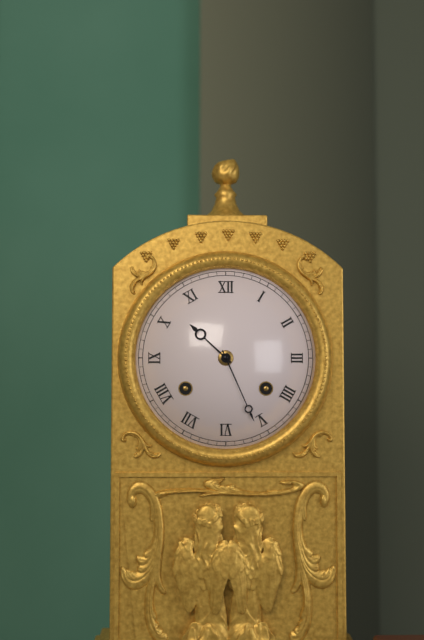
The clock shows 10:26
